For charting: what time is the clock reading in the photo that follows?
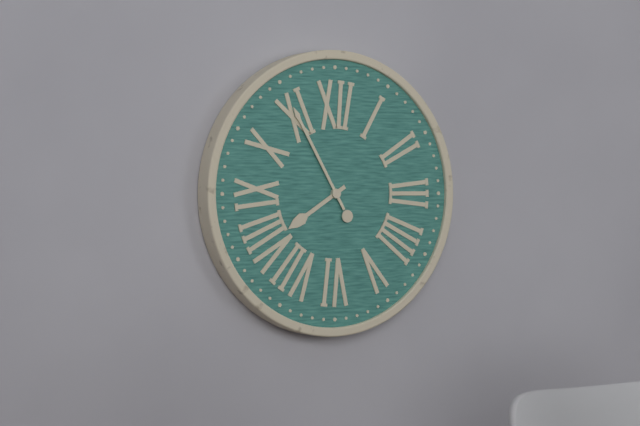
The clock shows 7:55
